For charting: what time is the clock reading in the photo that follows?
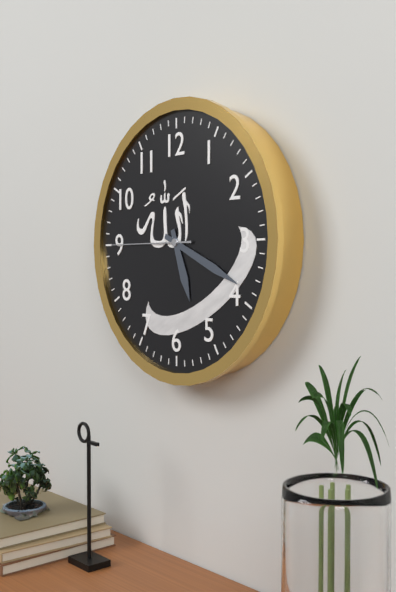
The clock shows 5:19:45
